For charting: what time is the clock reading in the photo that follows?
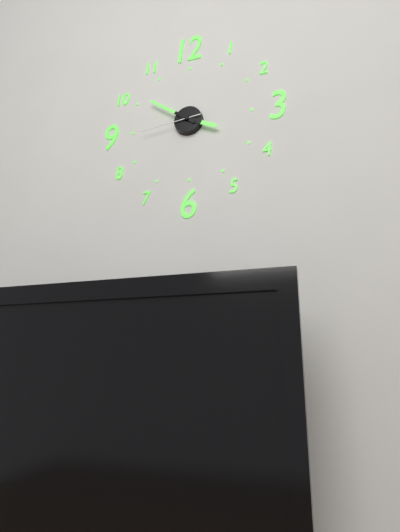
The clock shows 3:51:44
